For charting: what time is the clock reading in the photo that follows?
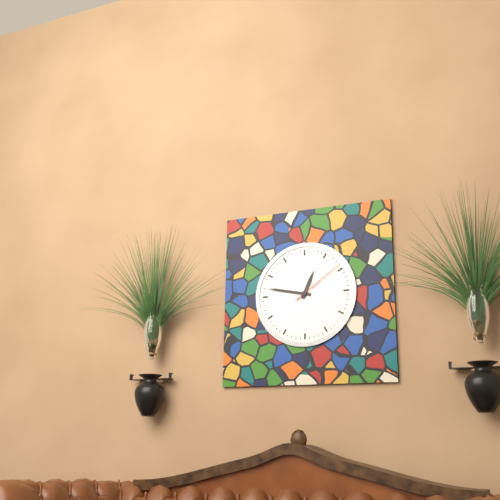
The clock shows 12:47:09
